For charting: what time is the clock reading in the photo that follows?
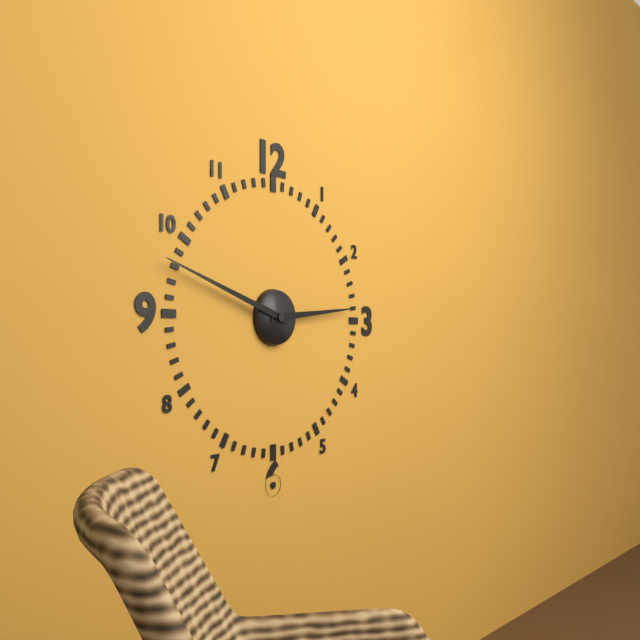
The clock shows 2:48
